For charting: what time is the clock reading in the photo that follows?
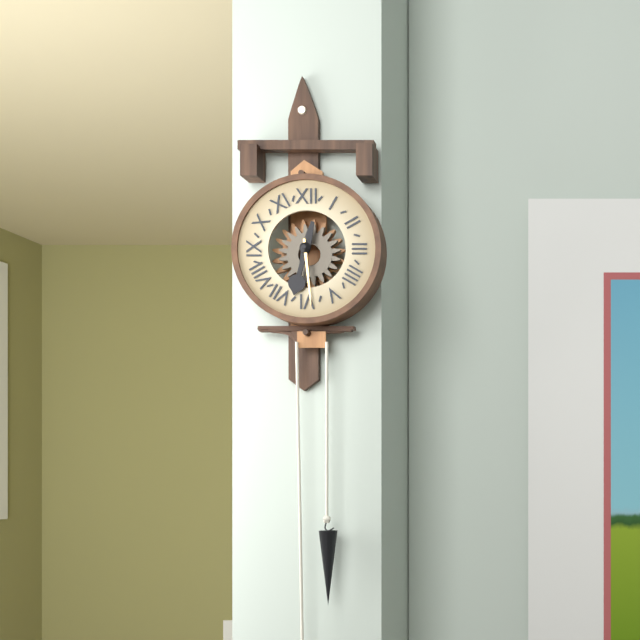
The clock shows 6:29
